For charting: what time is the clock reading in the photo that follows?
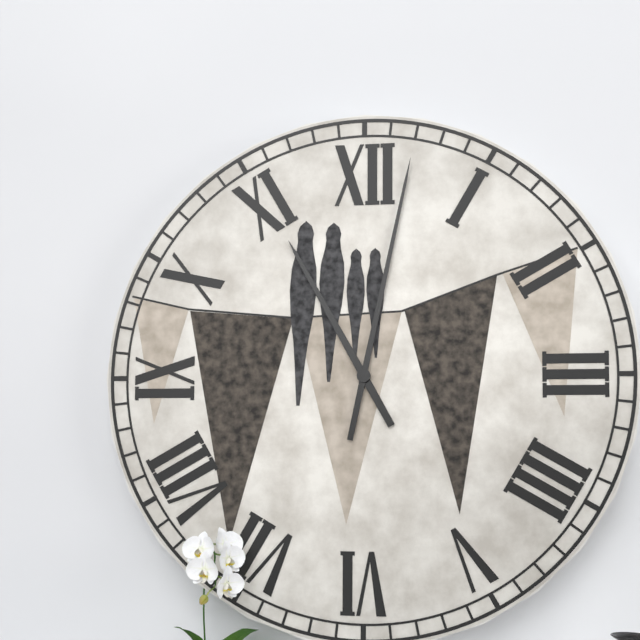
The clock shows 11:02
